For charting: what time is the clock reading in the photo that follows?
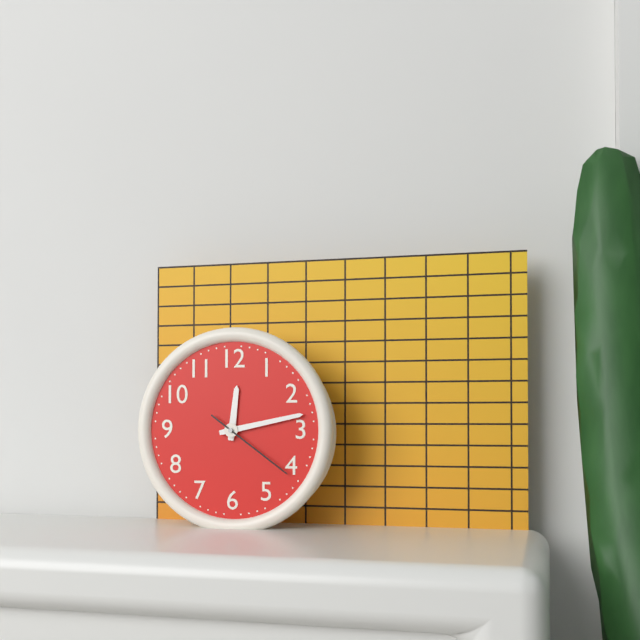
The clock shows 12:13:21
